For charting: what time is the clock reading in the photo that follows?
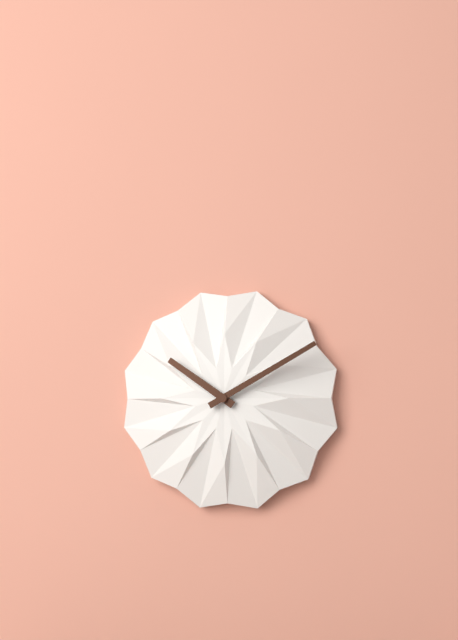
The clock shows 10:10
